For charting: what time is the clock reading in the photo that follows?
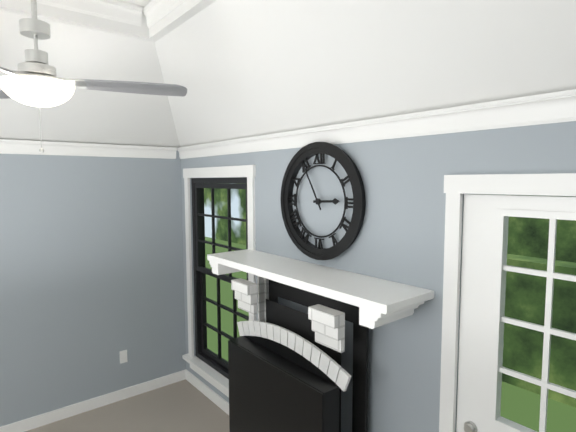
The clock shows 2:55
